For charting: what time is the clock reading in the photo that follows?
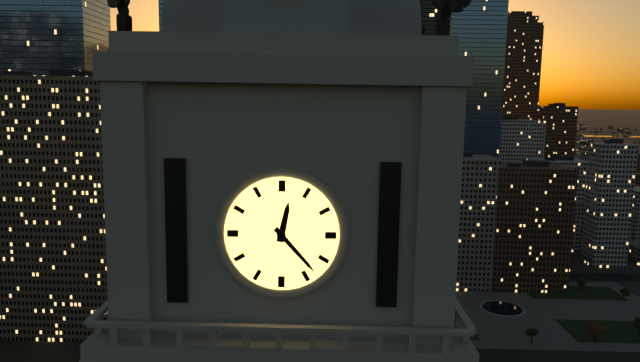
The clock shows 12:23
